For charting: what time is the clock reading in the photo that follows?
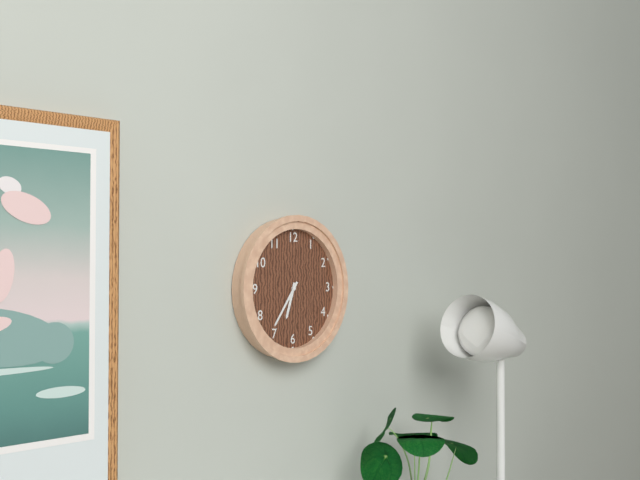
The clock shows 6:36
